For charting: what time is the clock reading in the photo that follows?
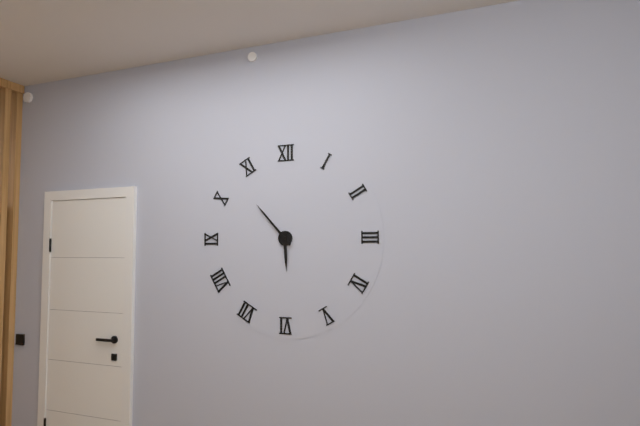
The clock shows 5:53
